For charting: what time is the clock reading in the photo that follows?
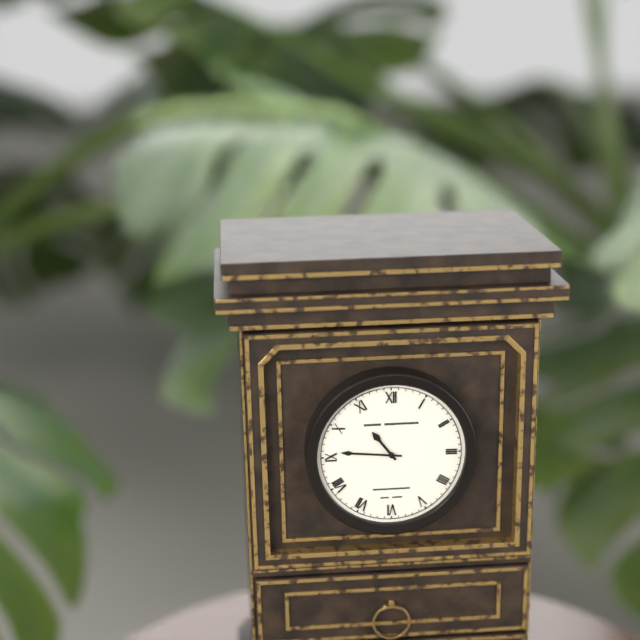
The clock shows 10:46
